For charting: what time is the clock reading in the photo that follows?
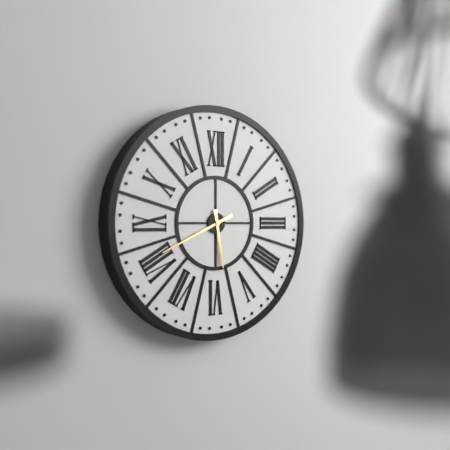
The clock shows 5:41
